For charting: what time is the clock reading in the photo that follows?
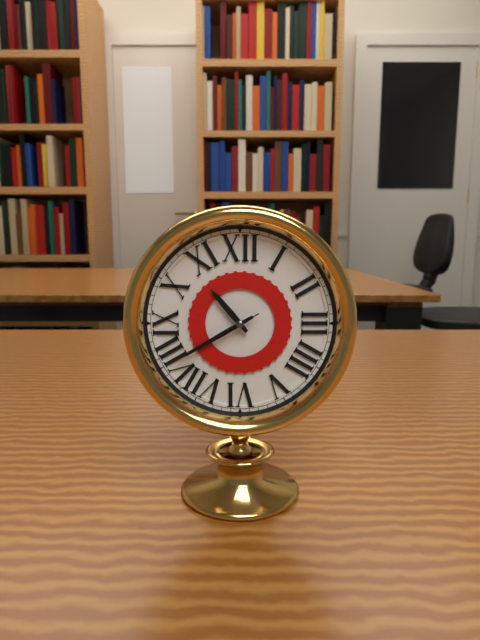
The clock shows 10:40:40
